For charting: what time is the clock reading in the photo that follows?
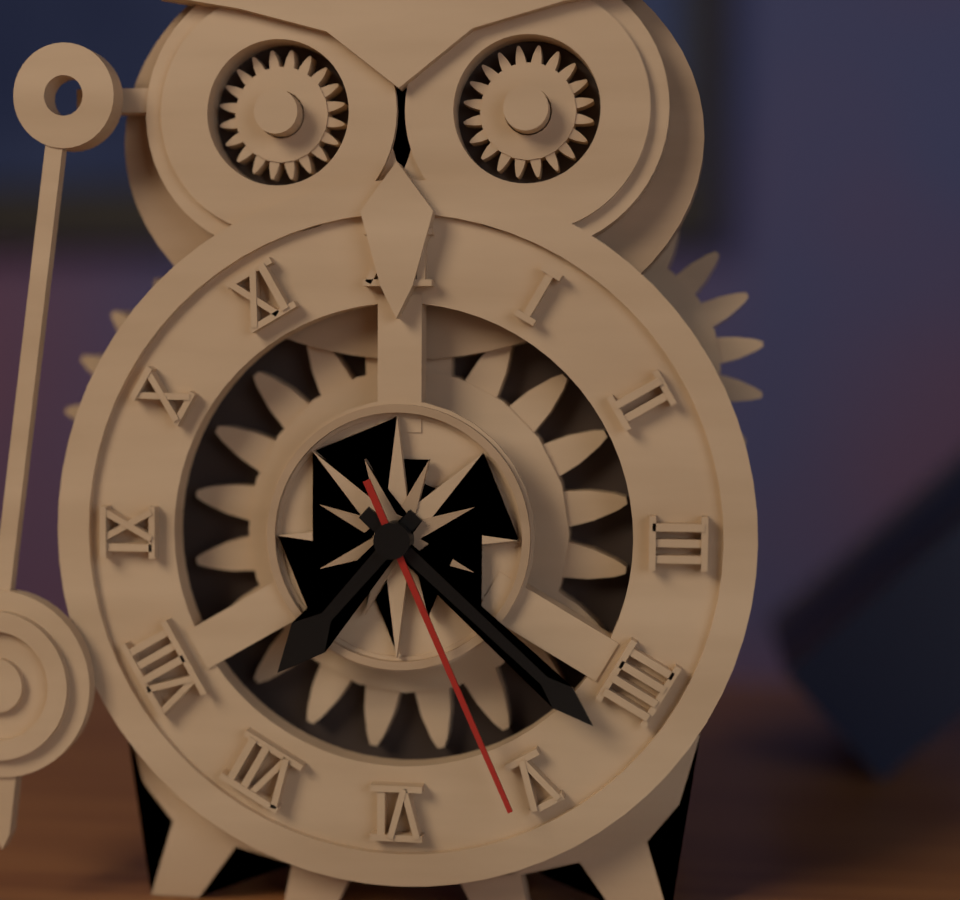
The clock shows 7:22:26
